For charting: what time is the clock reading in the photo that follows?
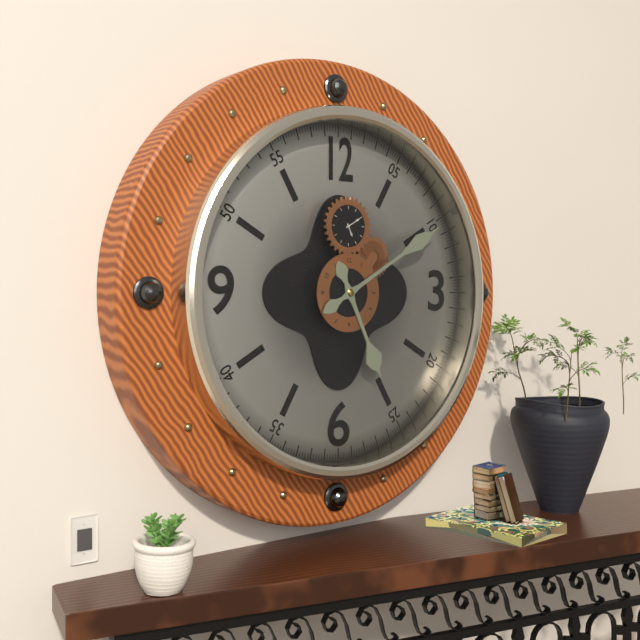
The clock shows 5:10
